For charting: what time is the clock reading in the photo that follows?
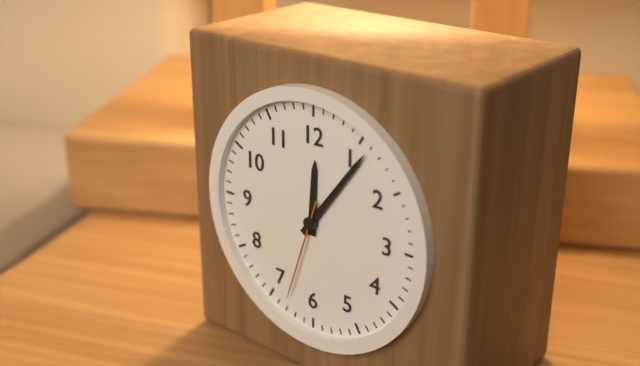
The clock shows 12:06:33
